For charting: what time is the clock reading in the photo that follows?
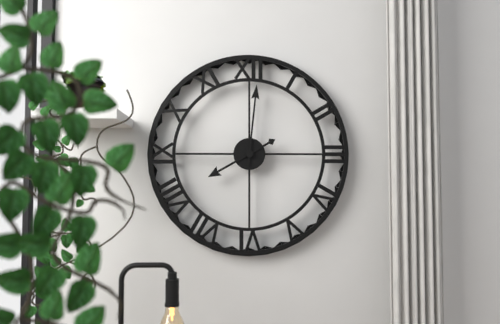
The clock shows 8:01
